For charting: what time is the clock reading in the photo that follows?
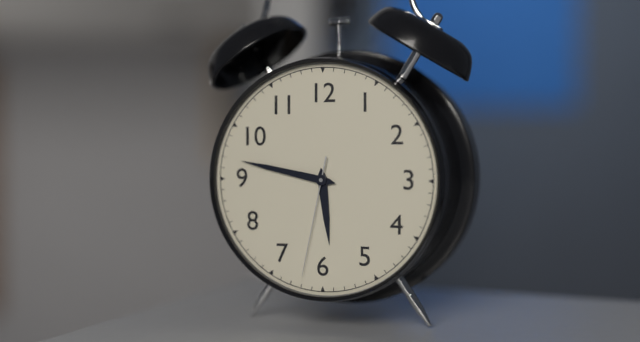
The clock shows 5:47:32
